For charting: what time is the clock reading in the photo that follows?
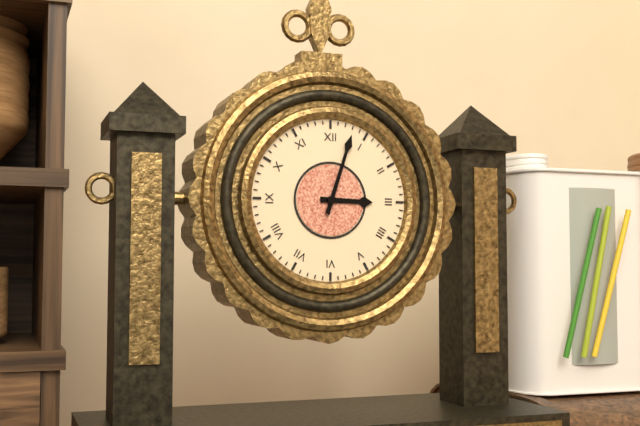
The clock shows 3:03
